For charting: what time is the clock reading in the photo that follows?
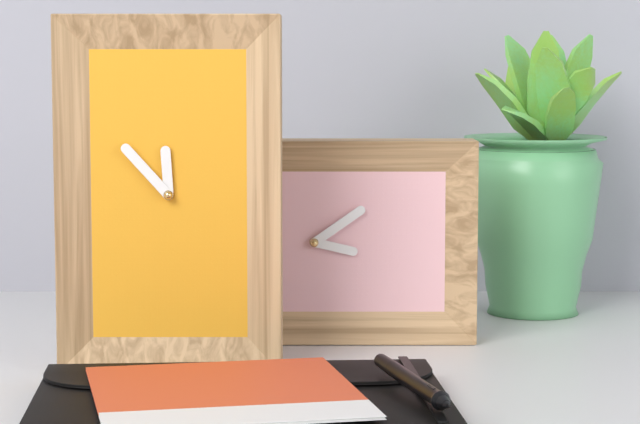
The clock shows 11:53
